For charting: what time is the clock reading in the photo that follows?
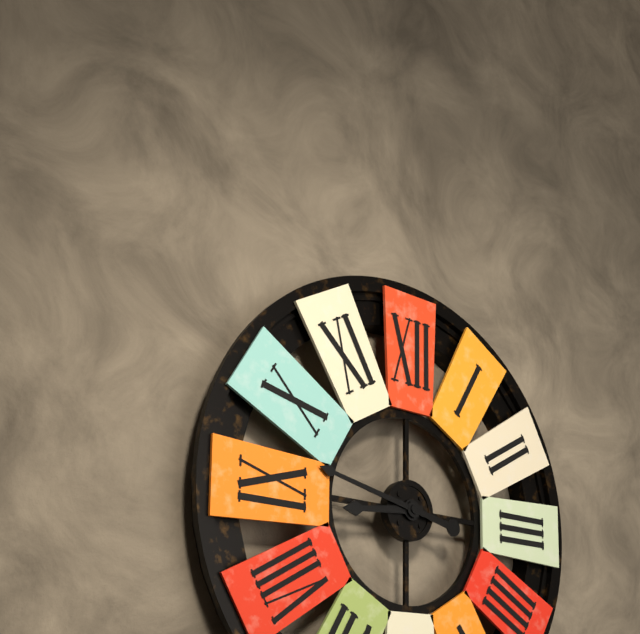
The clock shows 8:47
